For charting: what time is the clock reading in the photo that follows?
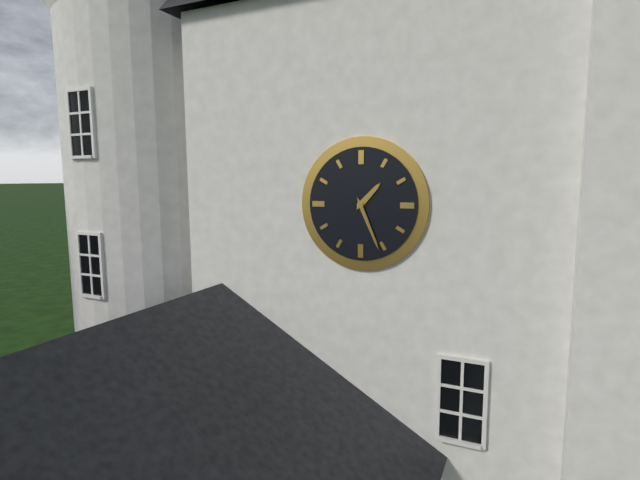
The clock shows 1:26
